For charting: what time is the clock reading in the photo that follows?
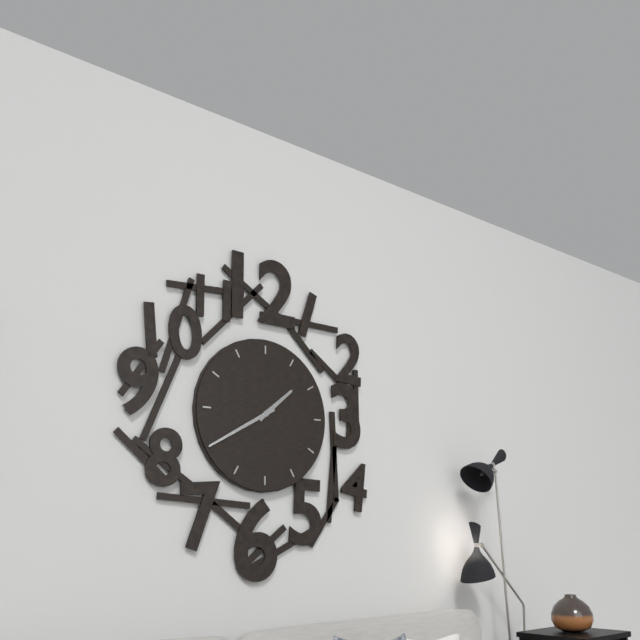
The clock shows 1:40
